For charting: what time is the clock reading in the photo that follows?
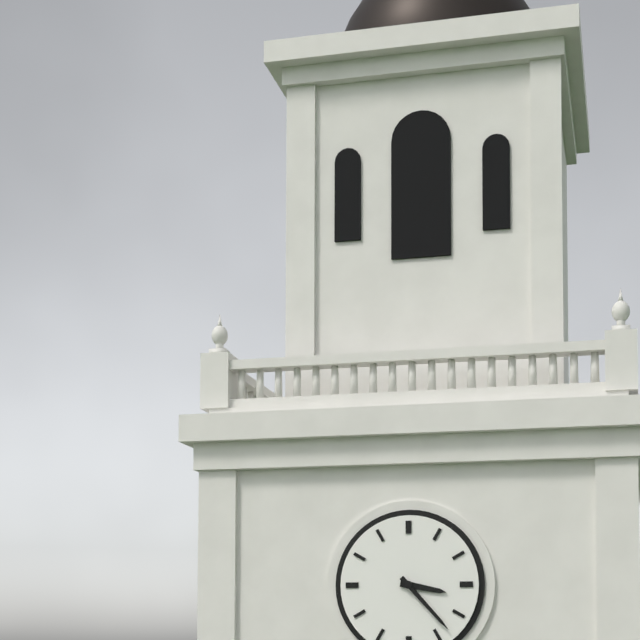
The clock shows 3:23
